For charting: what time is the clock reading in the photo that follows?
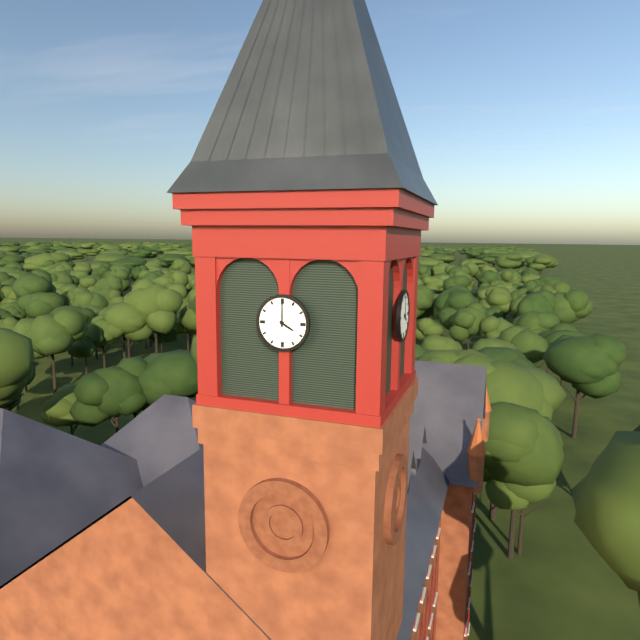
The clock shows 4:00
